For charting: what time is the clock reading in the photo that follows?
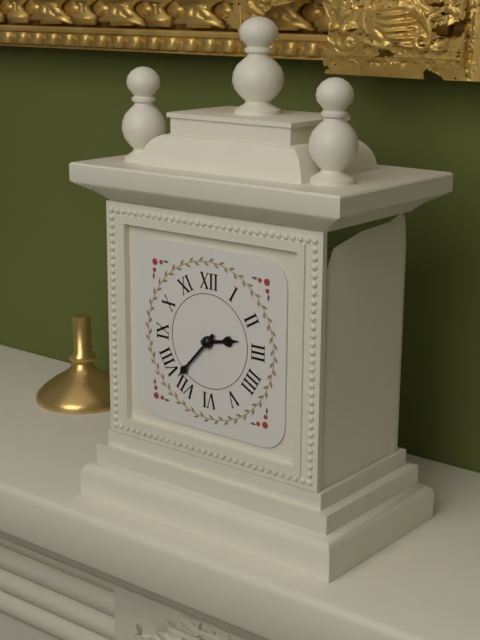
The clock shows 2:37
